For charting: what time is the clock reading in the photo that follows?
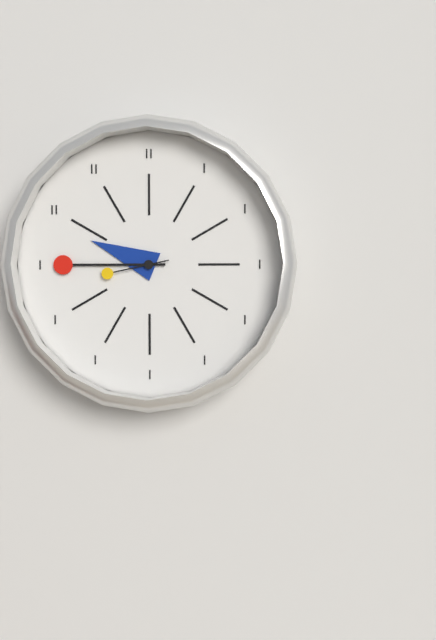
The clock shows 9:45:43
